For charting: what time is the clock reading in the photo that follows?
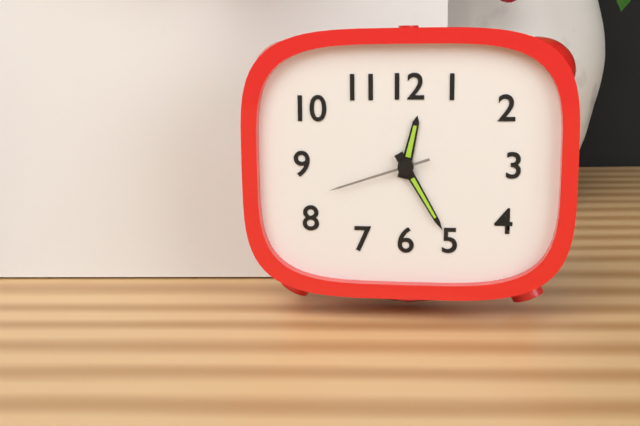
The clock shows 12:25:42
